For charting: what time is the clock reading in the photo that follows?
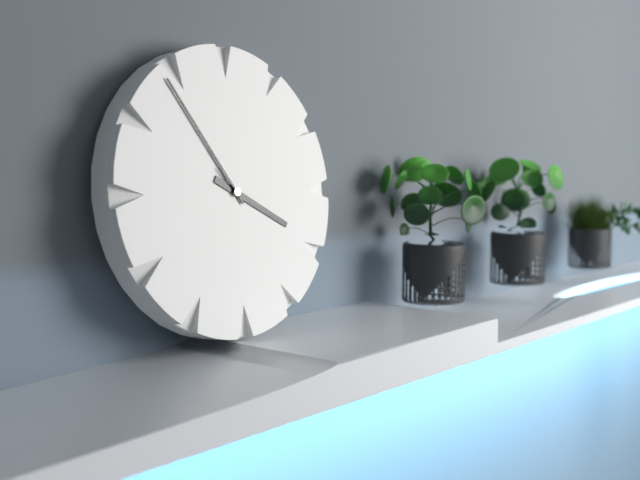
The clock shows 3:54
